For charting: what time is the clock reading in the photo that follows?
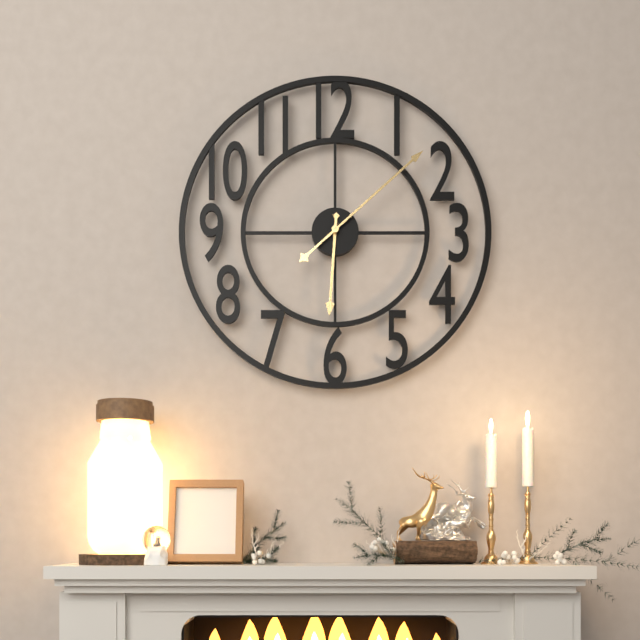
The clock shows 6:08
